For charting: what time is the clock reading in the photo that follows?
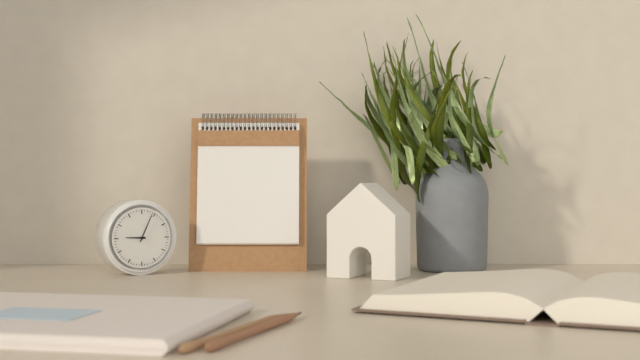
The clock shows 9:04
